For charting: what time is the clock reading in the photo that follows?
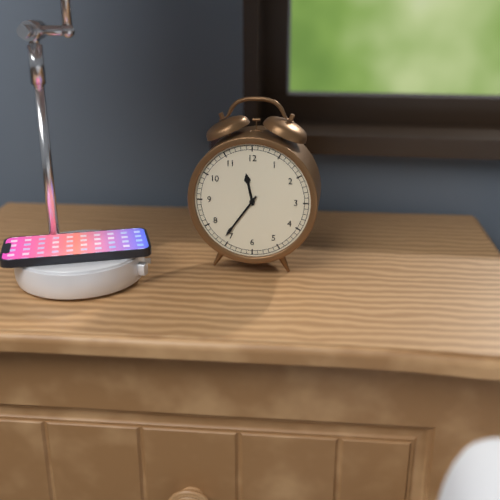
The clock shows 11:36
